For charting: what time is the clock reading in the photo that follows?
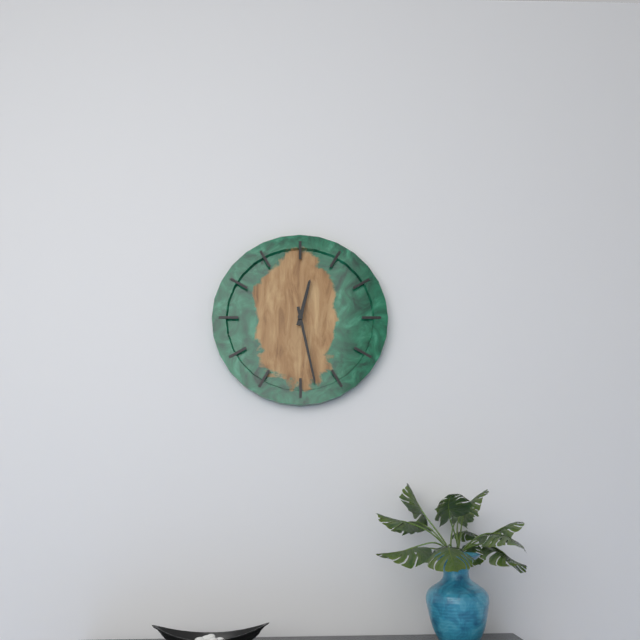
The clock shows 12:28
